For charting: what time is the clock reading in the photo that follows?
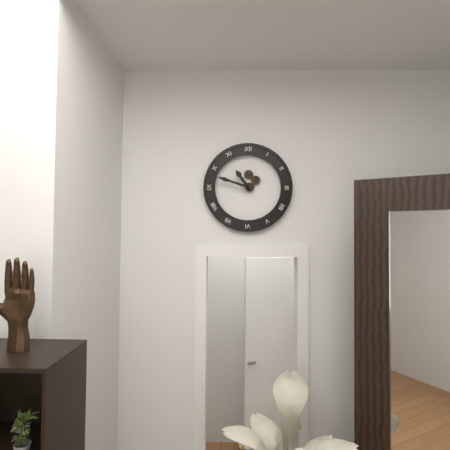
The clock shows 10:48
